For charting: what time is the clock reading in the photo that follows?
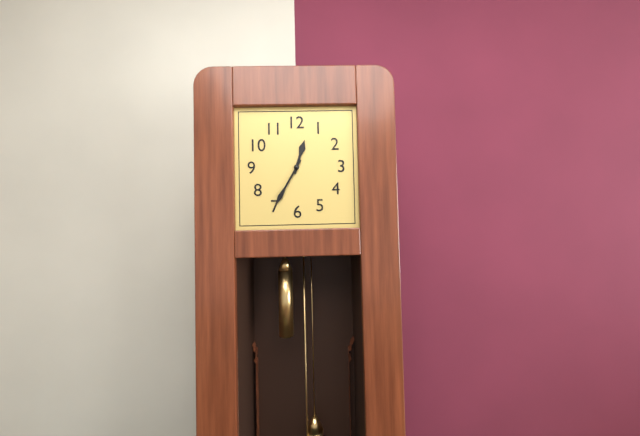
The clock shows 12:35
